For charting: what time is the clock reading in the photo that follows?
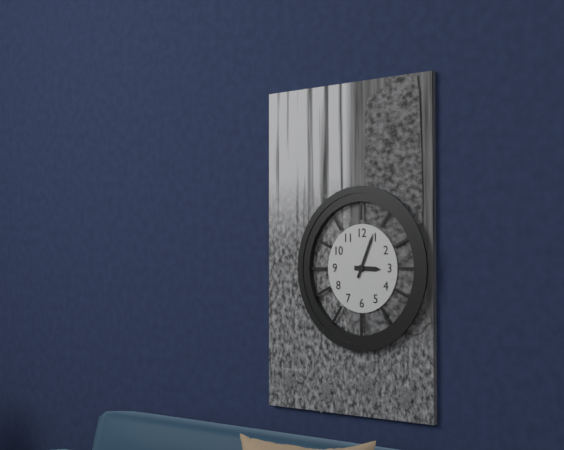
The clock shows 3:04
